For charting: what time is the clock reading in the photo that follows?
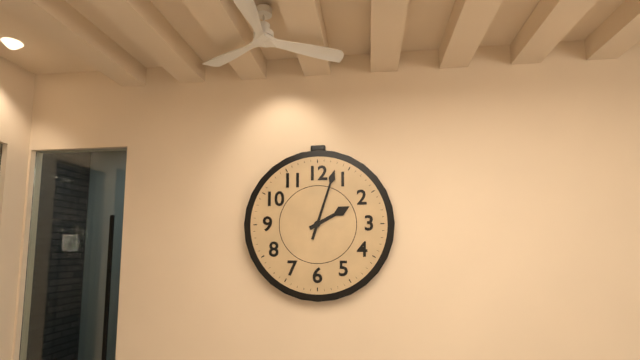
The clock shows 2:03
